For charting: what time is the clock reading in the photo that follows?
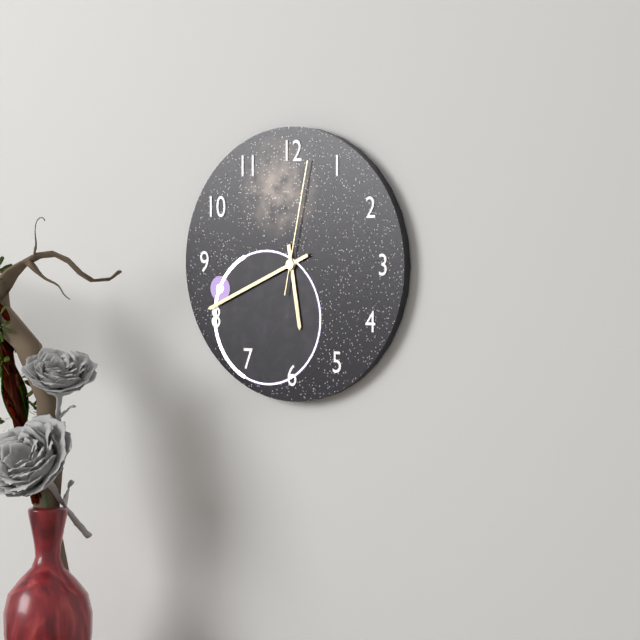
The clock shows 5:41:02
